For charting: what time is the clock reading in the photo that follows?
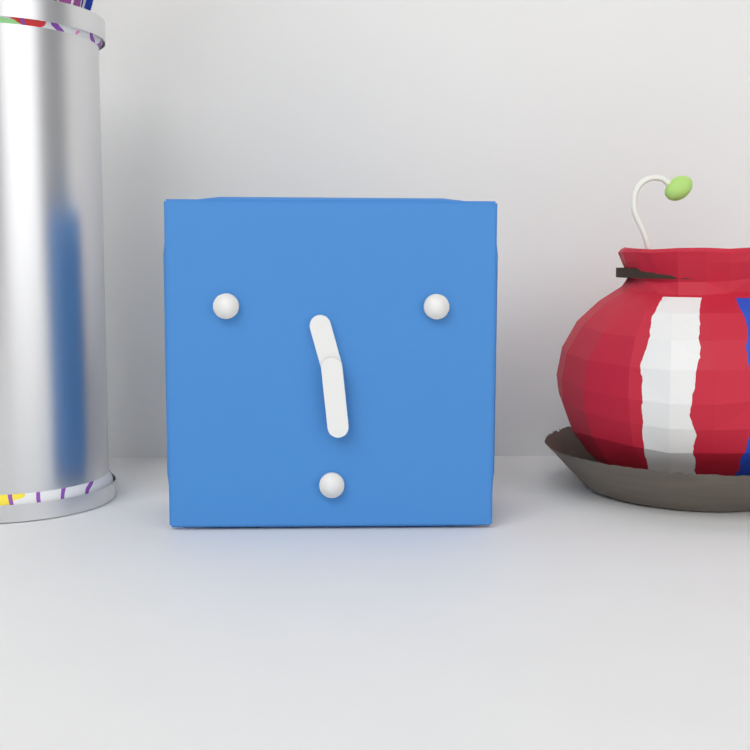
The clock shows 11:29
